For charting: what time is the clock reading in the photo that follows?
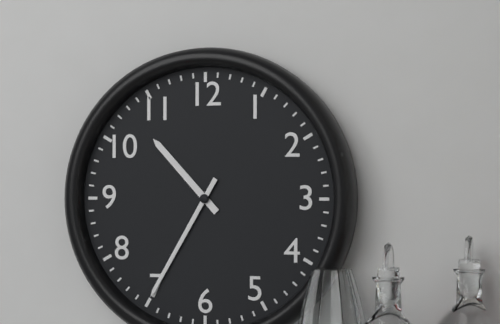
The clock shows 10:35
